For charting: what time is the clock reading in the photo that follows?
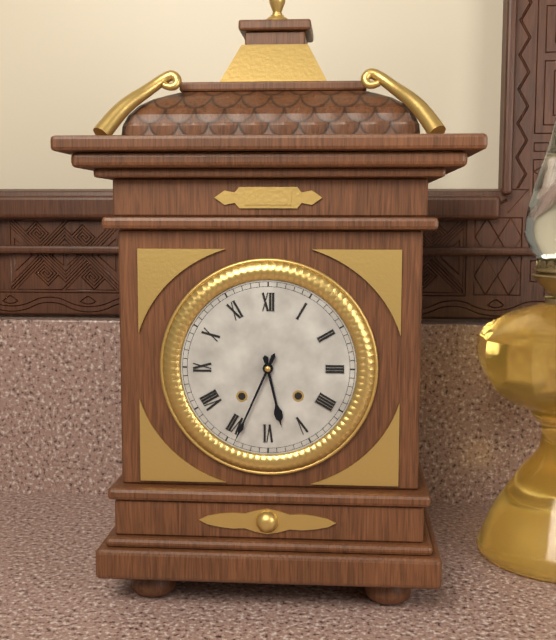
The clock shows 5:34
